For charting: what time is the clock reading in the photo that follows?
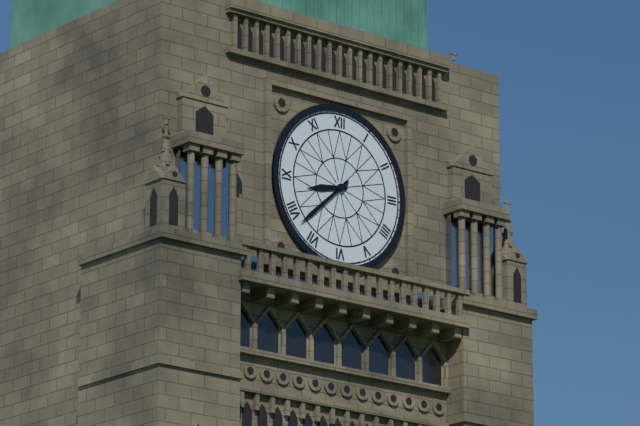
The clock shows 8:38
